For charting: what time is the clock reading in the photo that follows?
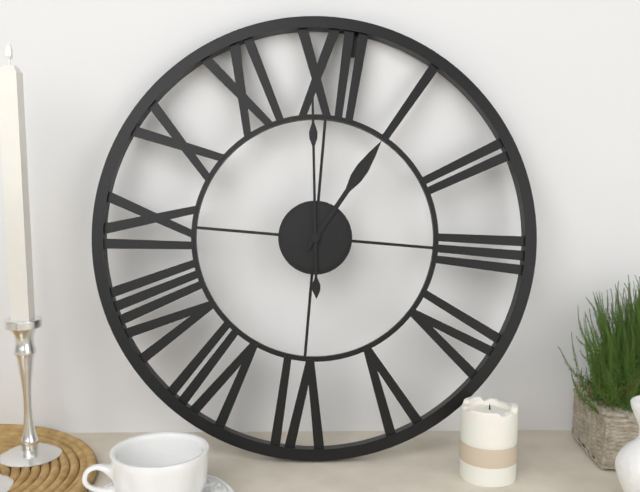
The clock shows 12:59
